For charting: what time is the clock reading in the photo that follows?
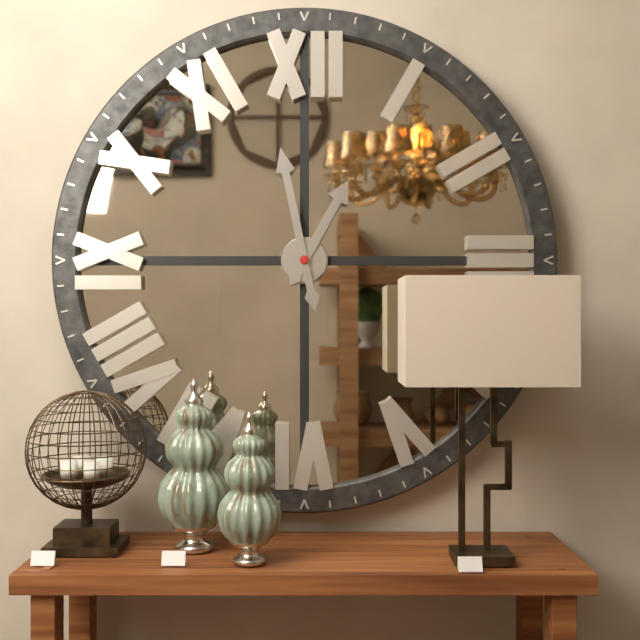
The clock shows 12:58
